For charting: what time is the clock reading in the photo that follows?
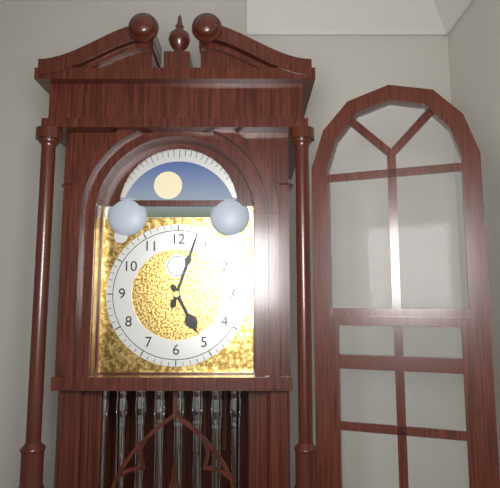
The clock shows 5:03
